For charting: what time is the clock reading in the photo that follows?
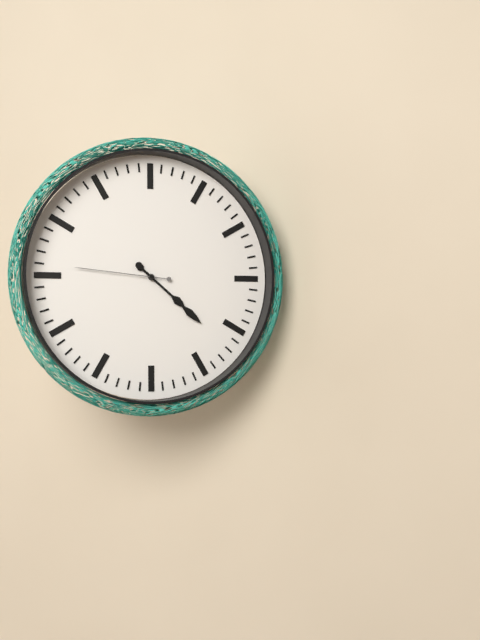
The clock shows 4:22:46
